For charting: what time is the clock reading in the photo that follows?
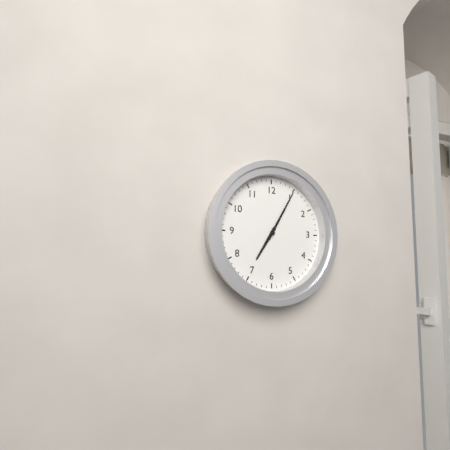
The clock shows 7:05
